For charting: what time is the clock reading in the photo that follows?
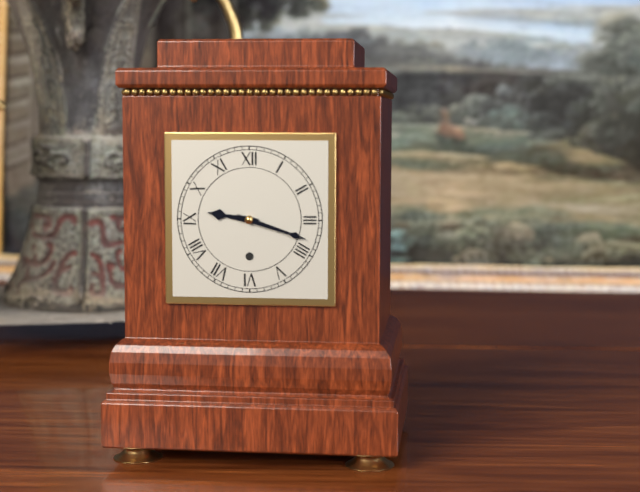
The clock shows 9:18
